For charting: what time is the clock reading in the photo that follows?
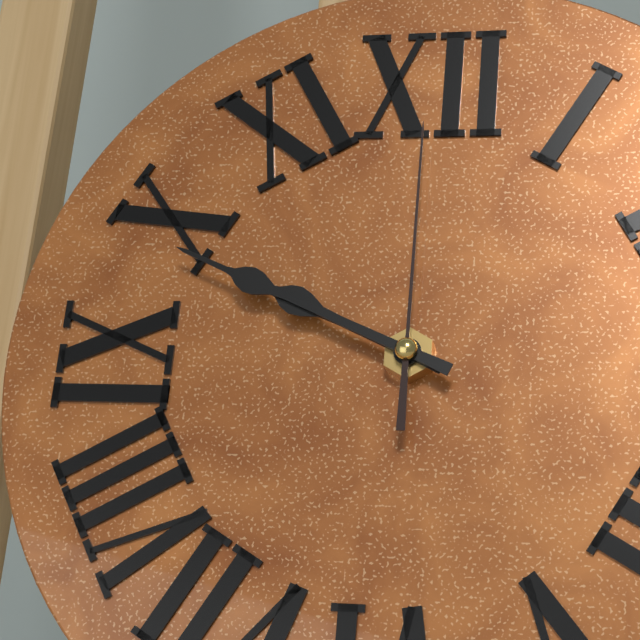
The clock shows 9:49:00
